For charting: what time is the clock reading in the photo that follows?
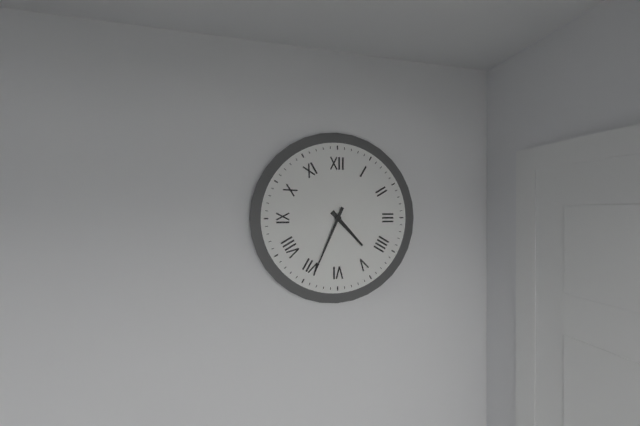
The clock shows 4:34
